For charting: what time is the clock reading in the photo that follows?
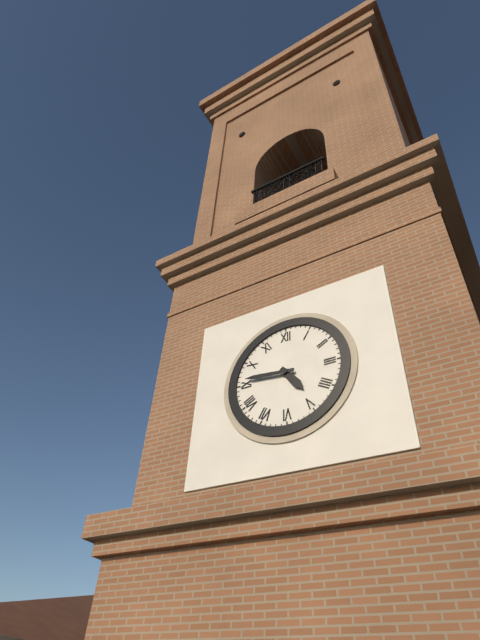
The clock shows 4:46
